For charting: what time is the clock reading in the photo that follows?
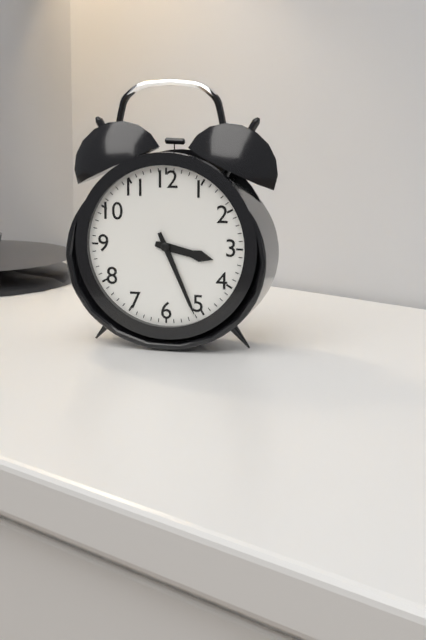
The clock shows 3:26
